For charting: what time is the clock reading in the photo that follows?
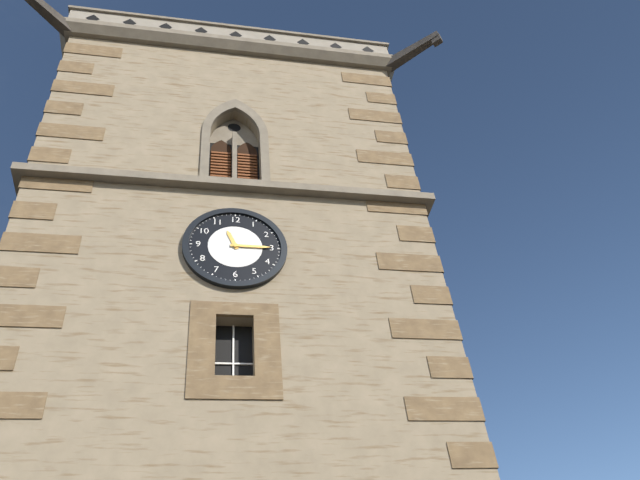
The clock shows 11:15
